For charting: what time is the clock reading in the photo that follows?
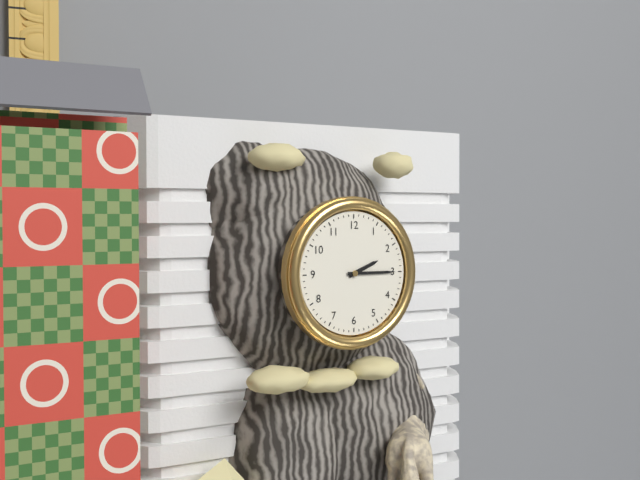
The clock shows 2:15
